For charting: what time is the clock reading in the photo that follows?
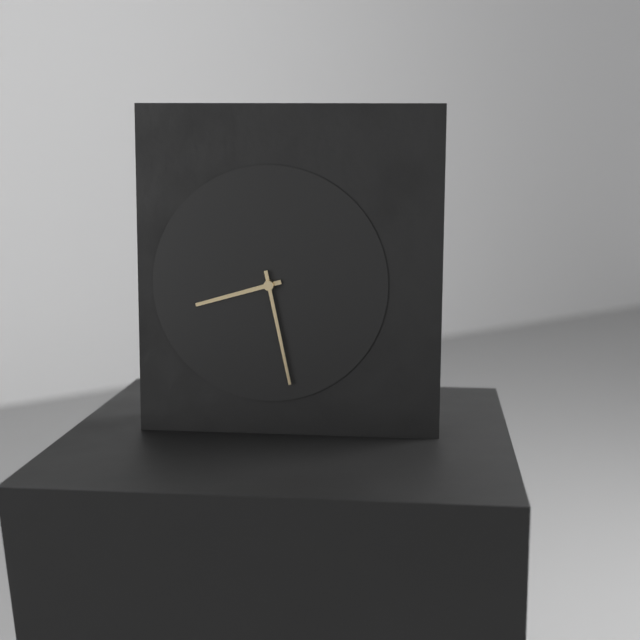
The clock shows 8:28
